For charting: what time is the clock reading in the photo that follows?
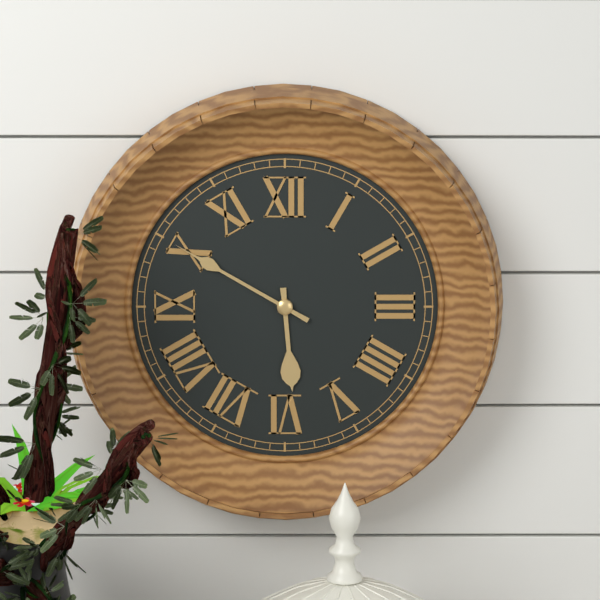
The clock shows 5:50
